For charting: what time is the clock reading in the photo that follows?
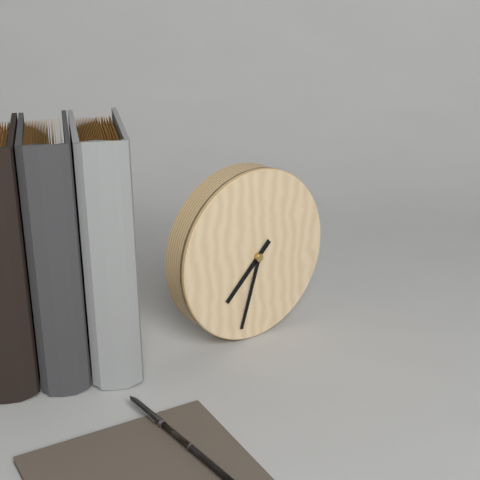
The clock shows 7:33
